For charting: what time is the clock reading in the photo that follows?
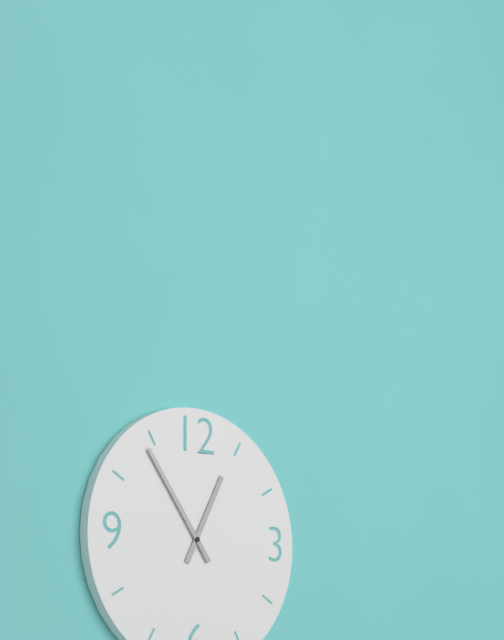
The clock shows 12:54
